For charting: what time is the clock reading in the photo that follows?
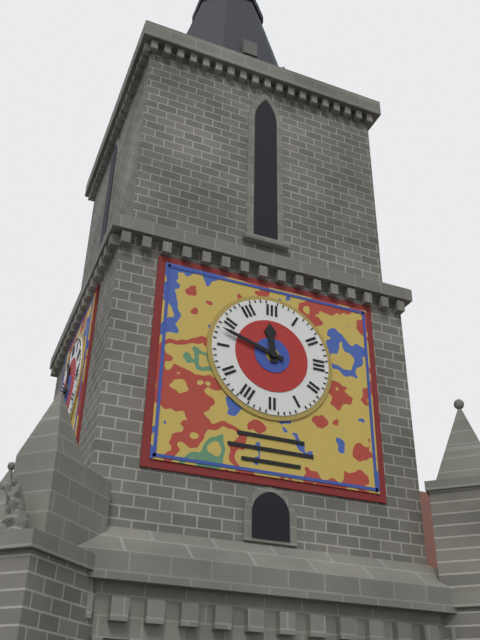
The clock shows 11:48
